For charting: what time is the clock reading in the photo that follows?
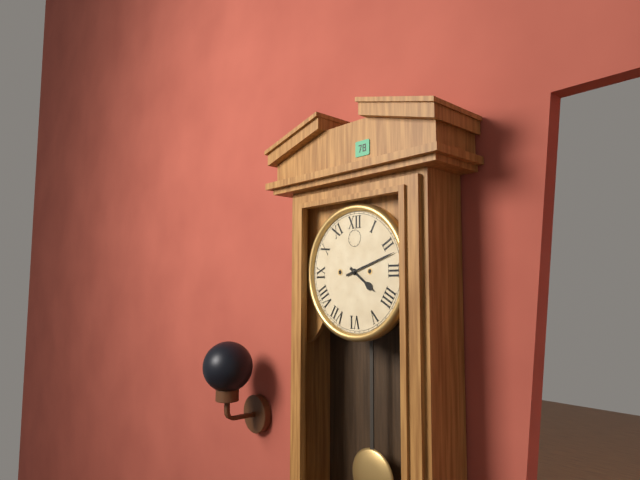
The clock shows 4:12
